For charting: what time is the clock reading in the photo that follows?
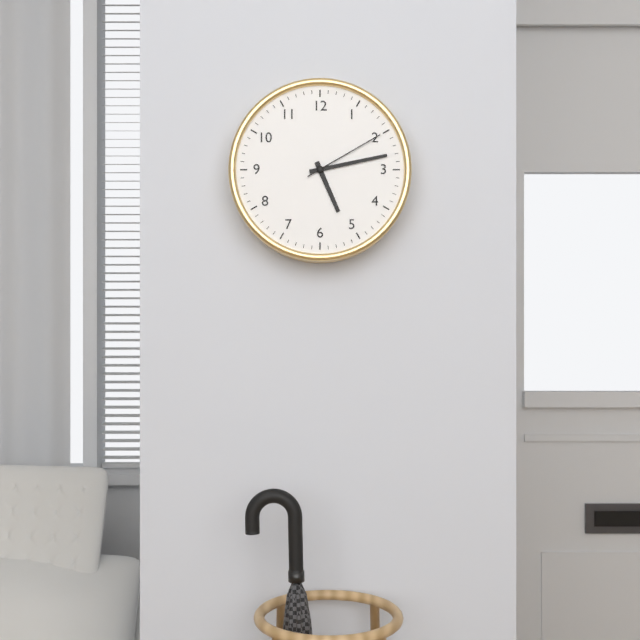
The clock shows 5:13:10
